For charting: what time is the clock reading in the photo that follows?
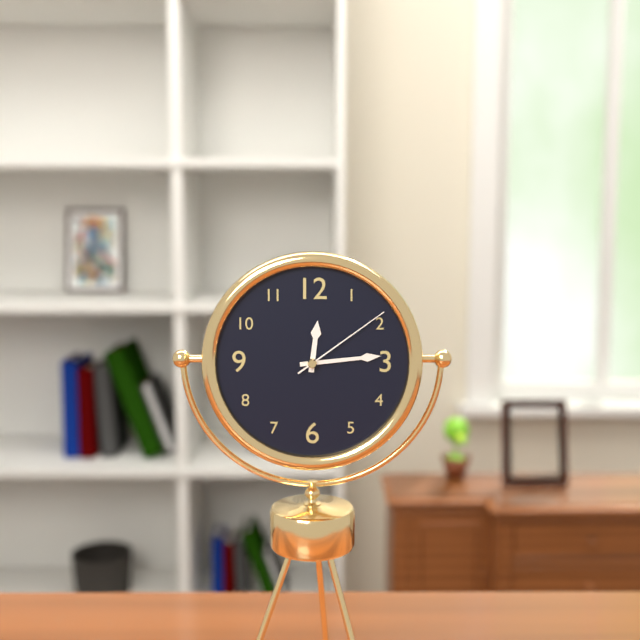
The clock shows 12:14:09
